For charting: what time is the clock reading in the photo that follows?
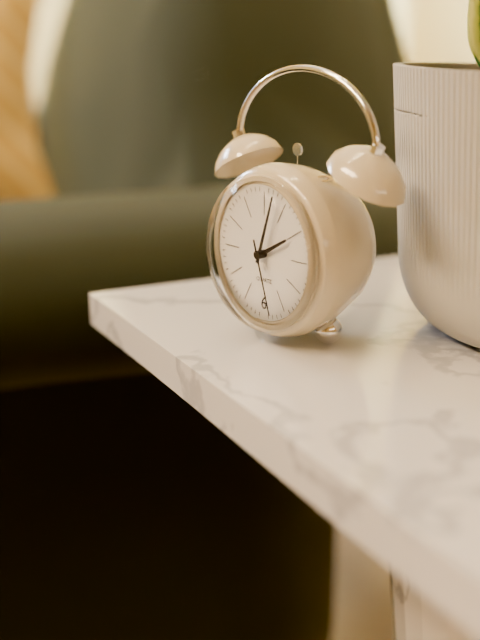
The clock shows 2:03:27
